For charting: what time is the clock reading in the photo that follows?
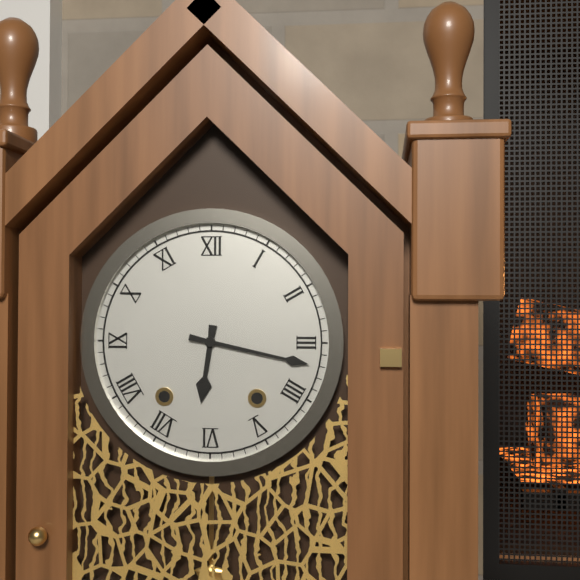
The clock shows 6:17
